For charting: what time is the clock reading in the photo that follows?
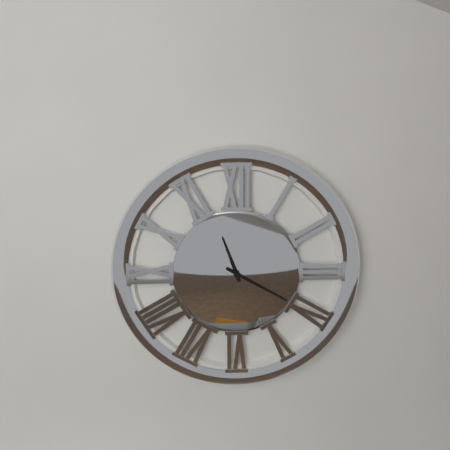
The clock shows 11:20
